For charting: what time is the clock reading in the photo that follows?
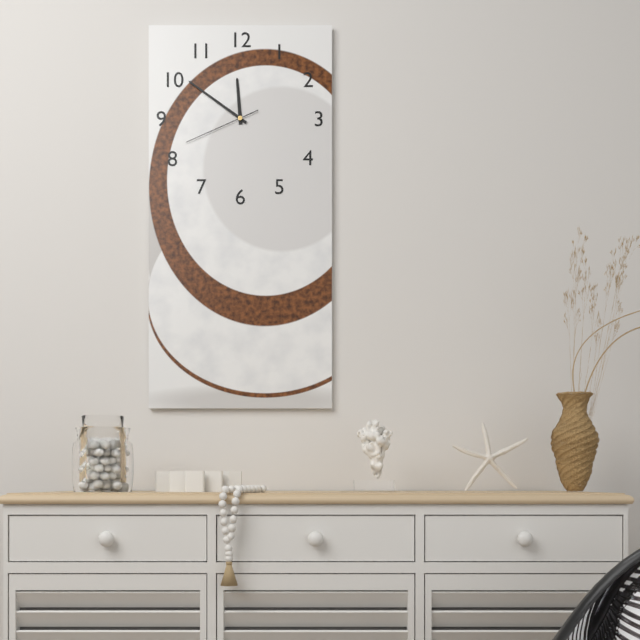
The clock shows 11:51:41
